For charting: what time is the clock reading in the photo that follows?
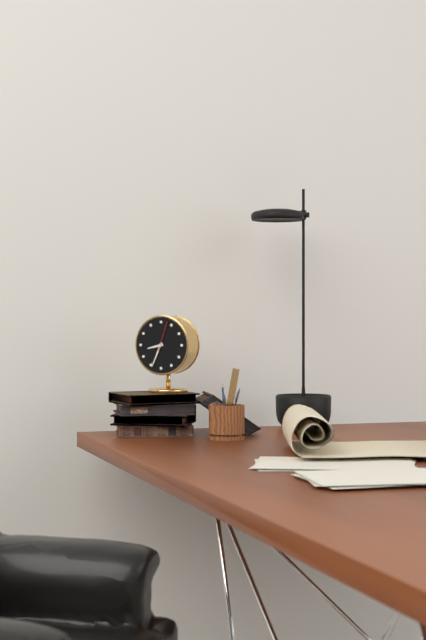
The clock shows 8:34
